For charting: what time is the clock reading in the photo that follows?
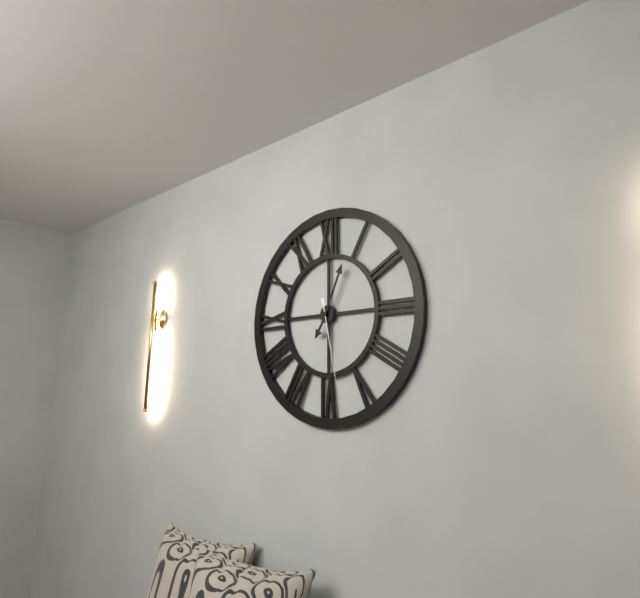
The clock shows 7:04:28
